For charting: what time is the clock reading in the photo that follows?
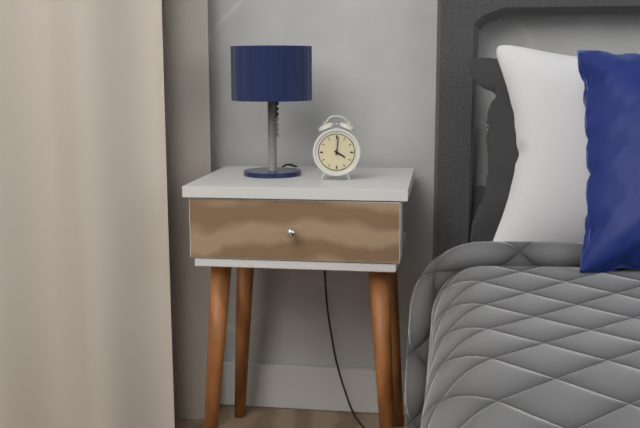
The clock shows 4:01
